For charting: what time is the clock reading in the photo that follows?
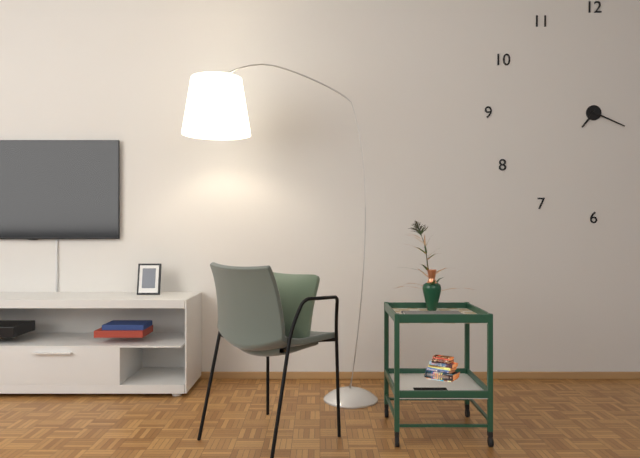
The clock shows 7:19
